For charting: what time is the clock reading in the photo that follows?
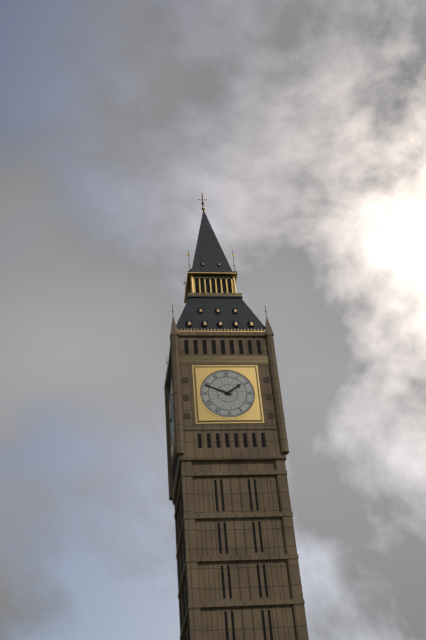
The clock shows 1:49
